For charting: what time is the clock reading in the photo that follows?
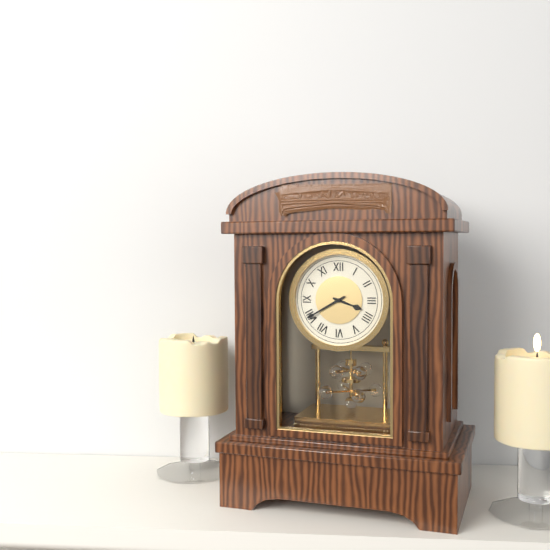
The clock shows 3:40
